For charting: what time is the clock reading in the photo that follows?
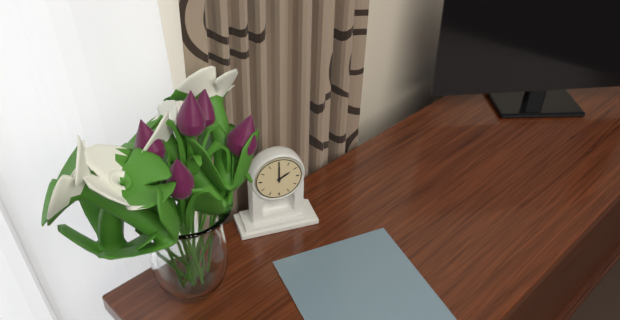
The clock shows 2:00
